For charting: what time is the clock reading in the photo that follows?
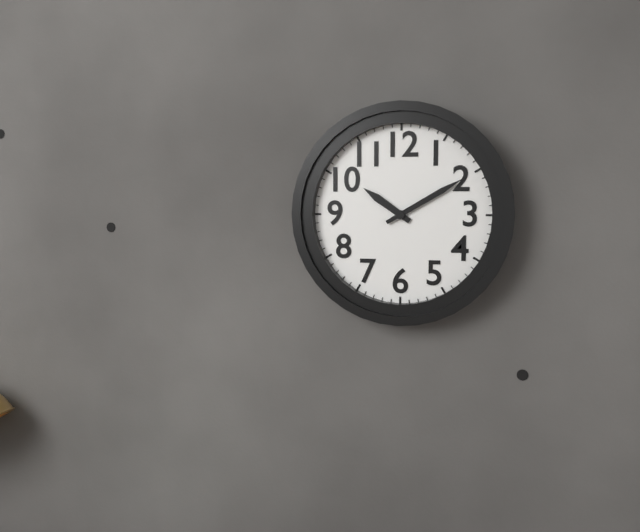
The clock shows 10:10
